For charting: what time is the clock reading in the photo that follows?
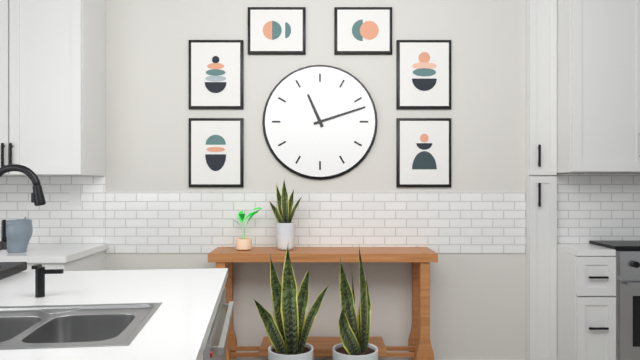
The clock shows 11:12
